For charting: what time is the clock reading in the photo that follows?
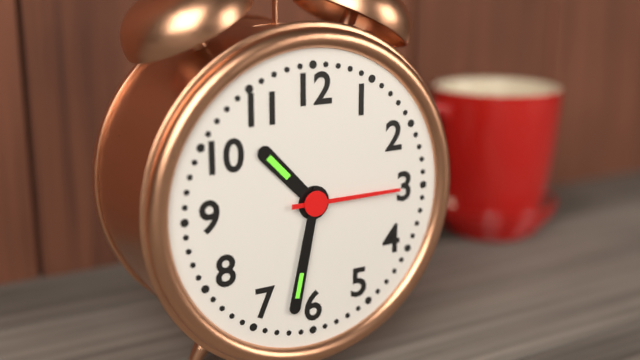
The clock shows 10:32:15
